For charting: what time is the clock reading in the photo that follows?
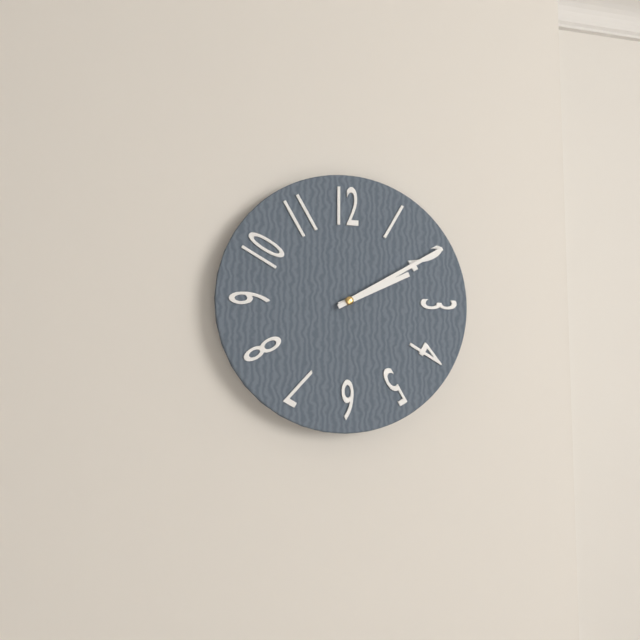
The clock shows 2:10
